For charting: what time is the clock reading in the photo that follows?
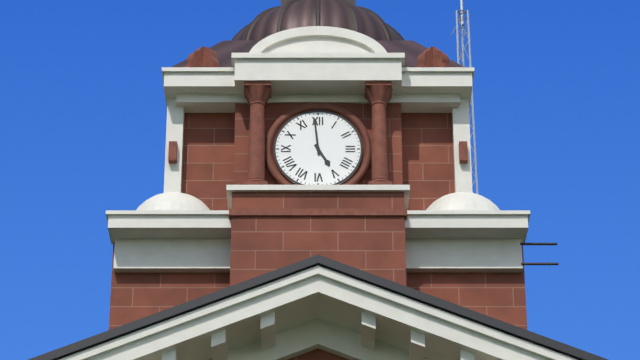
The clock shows 4:59
